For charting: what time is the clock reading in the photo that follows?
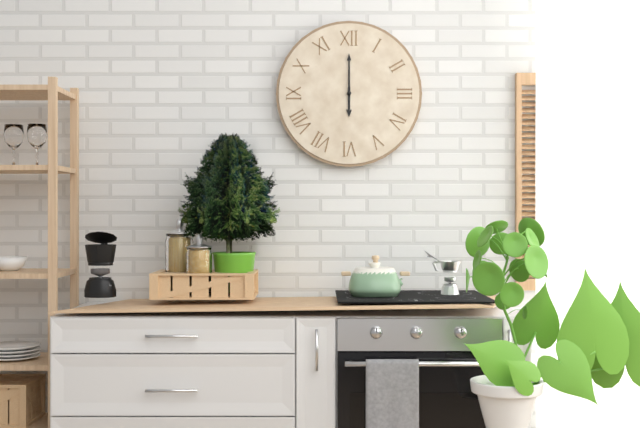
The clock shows 6:00
